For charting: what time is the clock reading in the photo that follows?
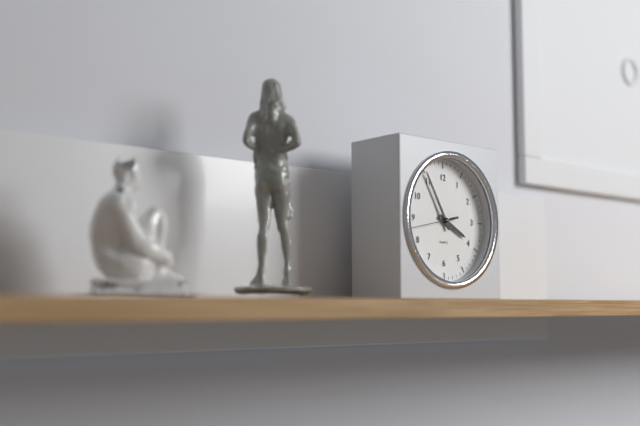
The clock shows 3:55:43
